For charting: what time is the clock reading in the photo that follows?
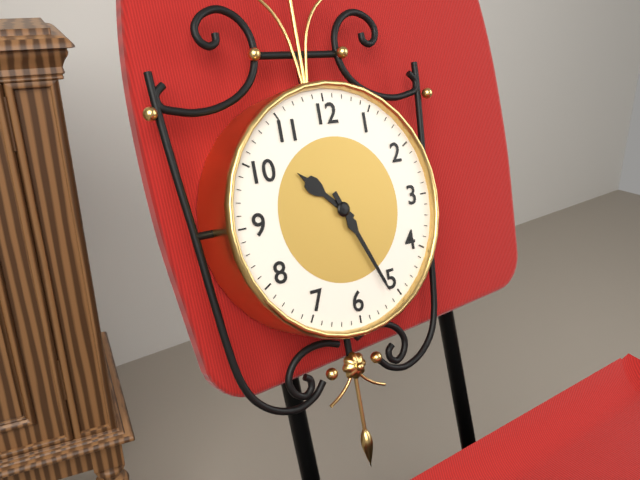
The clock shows 10:26
